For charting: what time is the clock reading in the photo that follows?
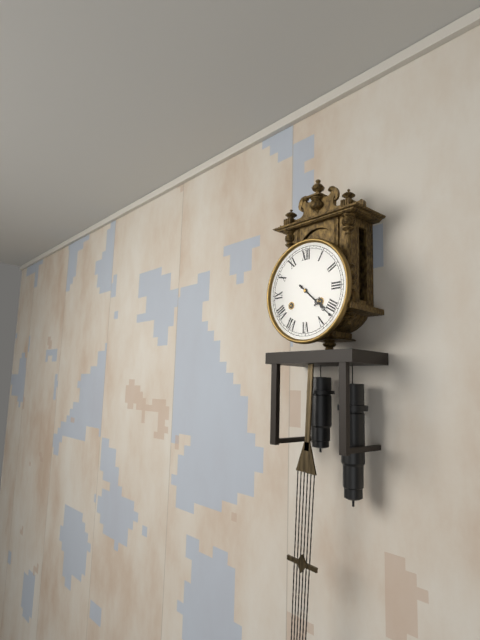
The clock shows 4:22
